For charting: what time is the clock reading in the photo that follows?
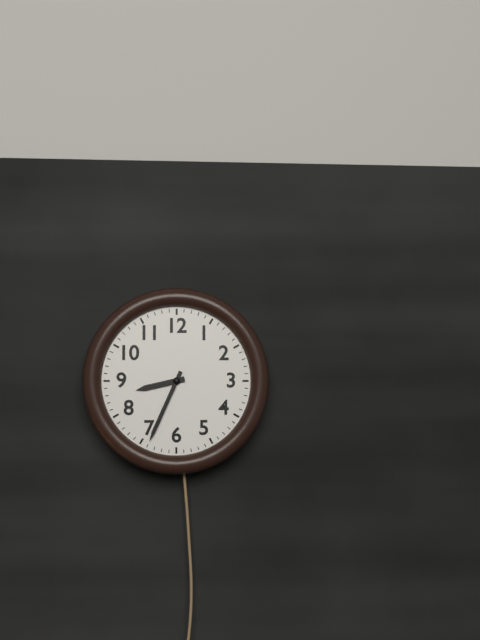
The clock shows 8:34
